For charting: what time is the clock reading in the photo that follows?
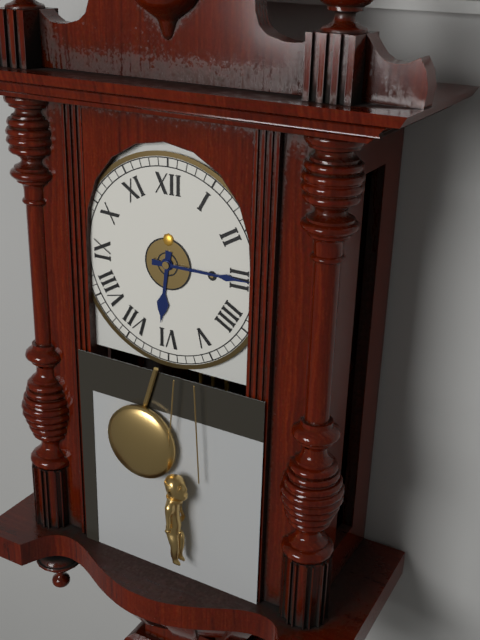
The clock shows 6:15
